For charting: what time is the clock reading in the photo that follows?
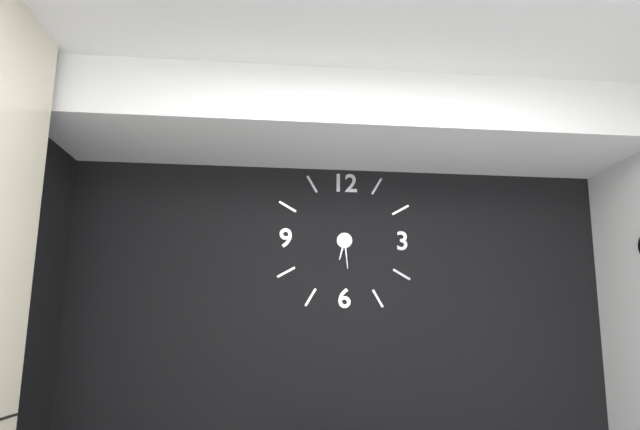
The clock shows 6:29
